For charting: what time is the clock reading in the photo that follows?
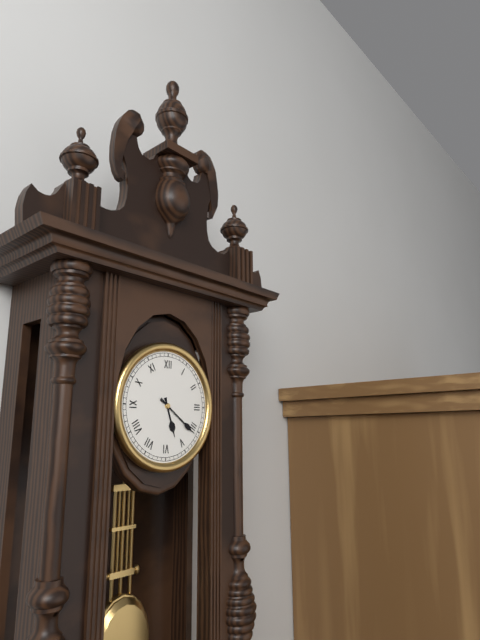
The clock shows 5:21
